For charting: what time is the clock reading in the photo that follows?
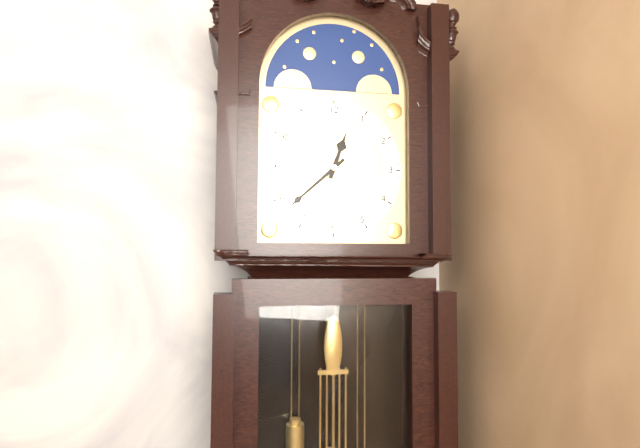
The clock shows 12:38
